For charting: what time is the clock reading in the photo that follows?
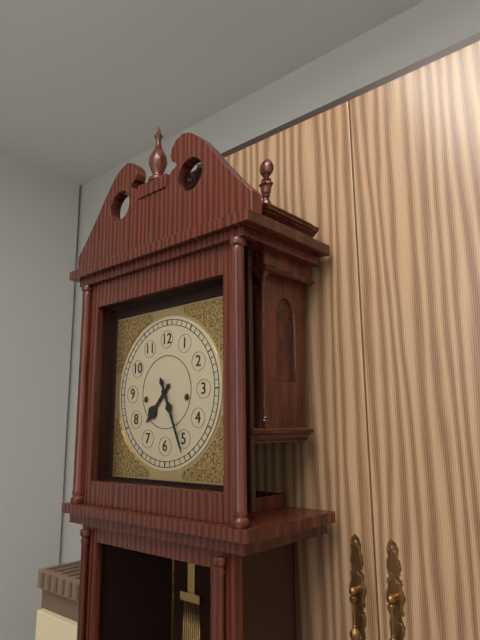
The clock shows 7:26
